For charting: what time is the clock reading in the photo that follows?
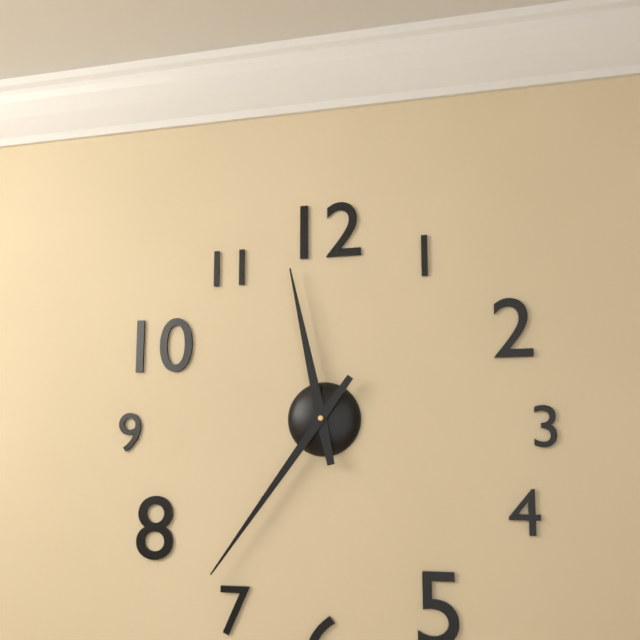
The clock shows 11:36
